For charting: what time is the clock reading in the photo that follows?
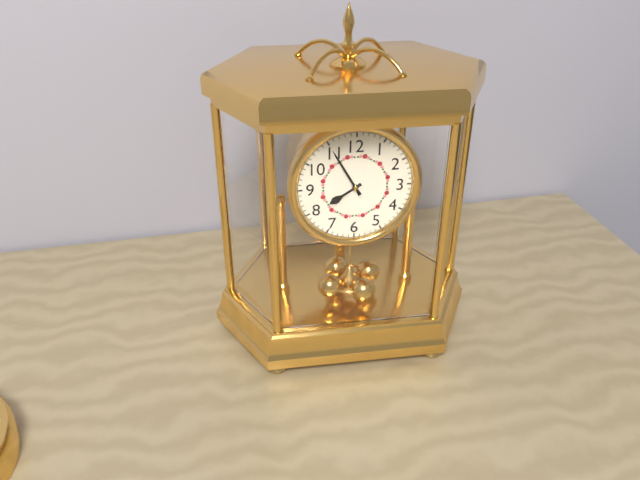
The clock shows 7:55
